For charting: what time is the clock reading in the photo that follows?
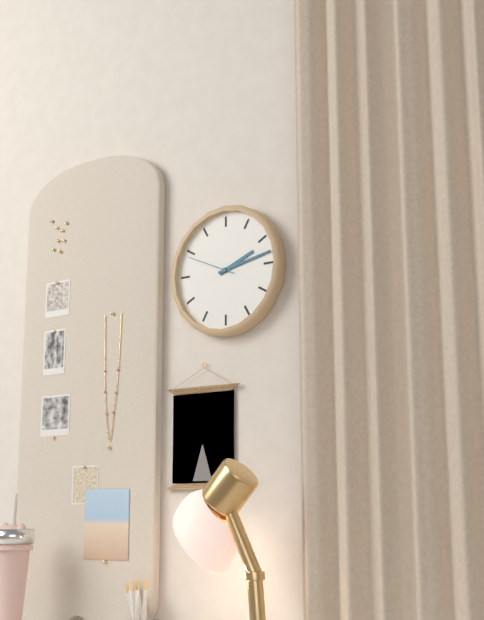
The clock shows 2:13:49
